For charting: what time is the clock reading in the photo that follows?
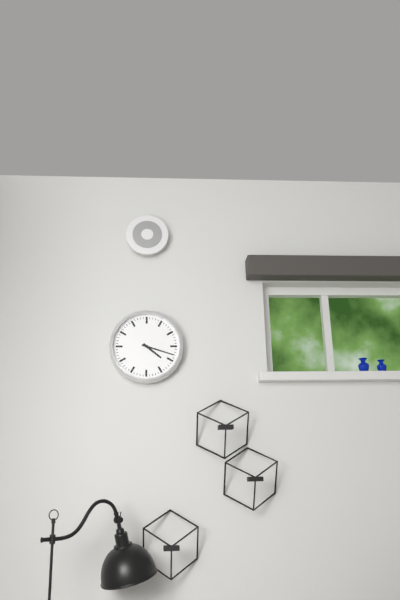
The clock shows 4:18
